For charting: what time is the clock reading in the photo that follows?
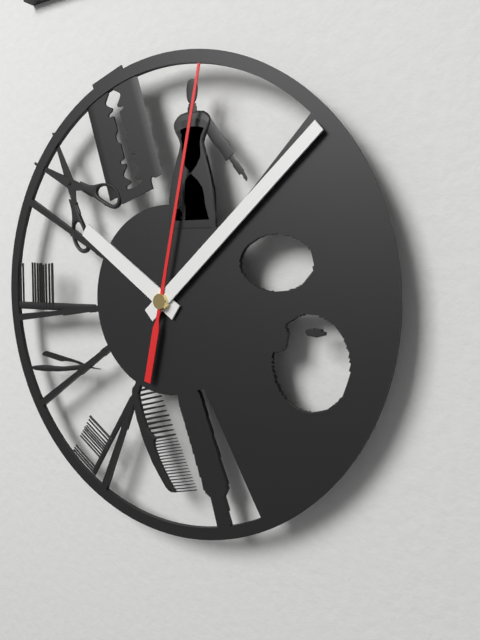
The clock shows 10:08:02
